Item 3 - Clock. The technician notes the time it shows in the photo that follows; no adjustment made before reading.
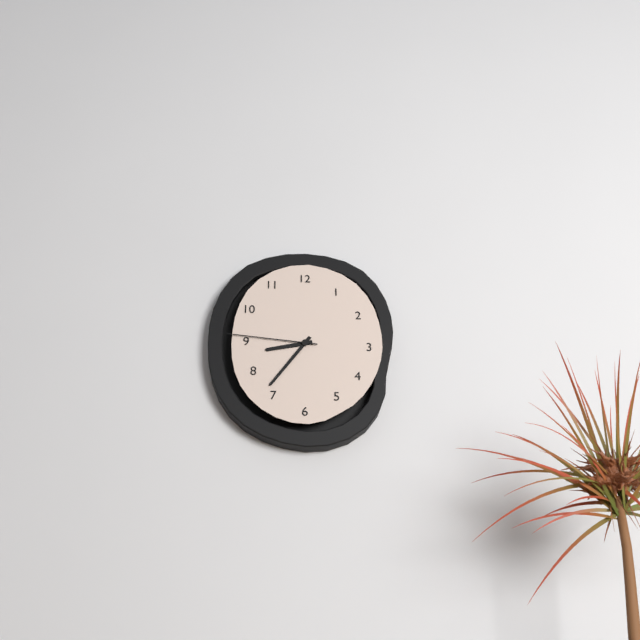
8:36:46
